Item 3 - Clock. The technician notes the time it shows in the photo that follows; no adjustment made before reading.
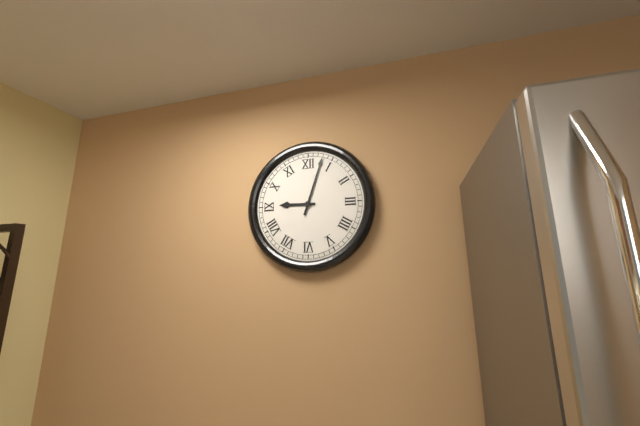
9:03
